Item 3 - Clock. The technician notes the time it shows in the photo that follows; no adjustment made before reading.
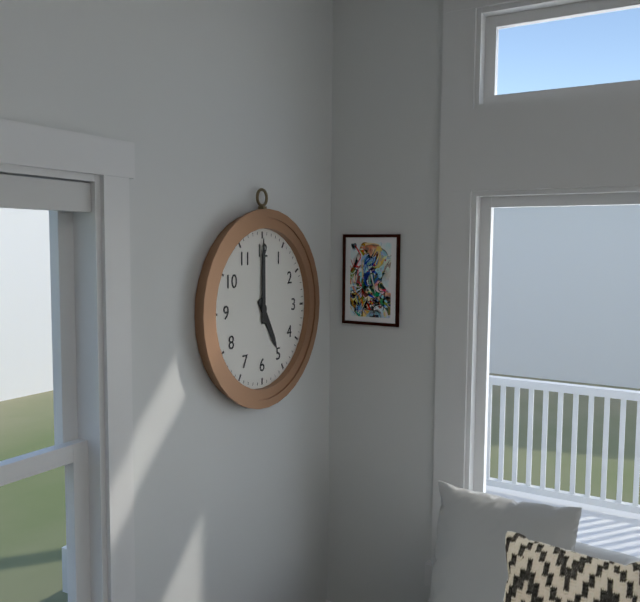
5:00
